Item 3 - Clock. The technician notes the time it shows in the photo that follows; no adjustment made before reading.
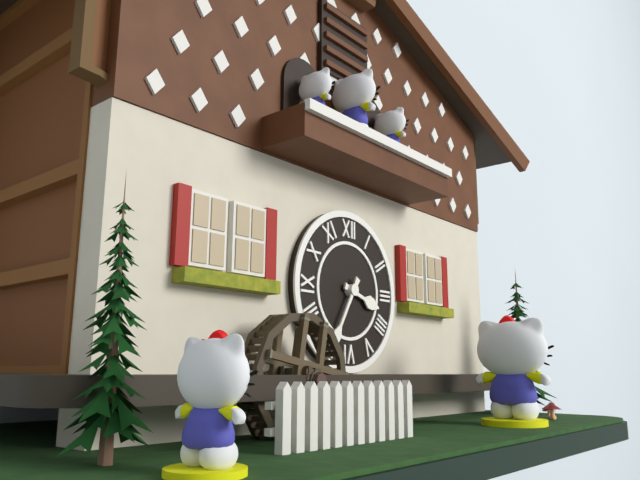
3:35
